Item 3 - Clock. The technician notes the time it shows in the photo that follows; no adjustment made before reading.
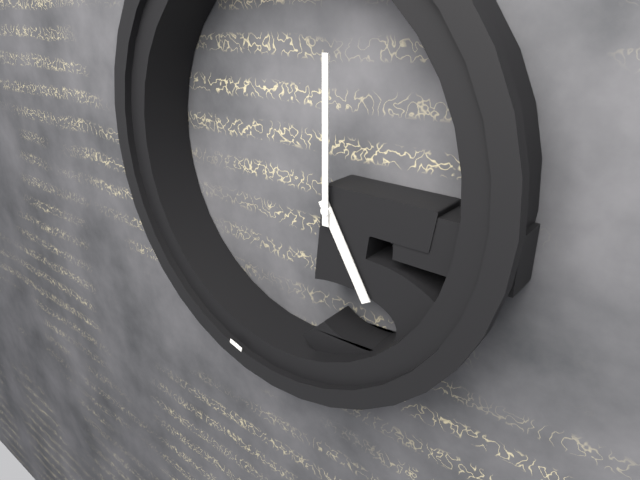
5:00
